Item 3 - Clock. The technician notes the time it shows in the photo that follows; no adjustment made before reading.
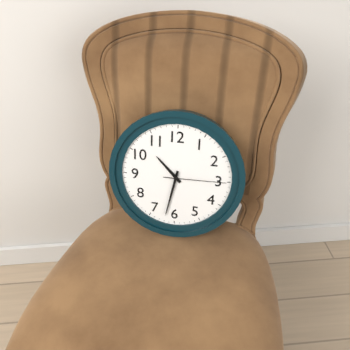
10:32:15
